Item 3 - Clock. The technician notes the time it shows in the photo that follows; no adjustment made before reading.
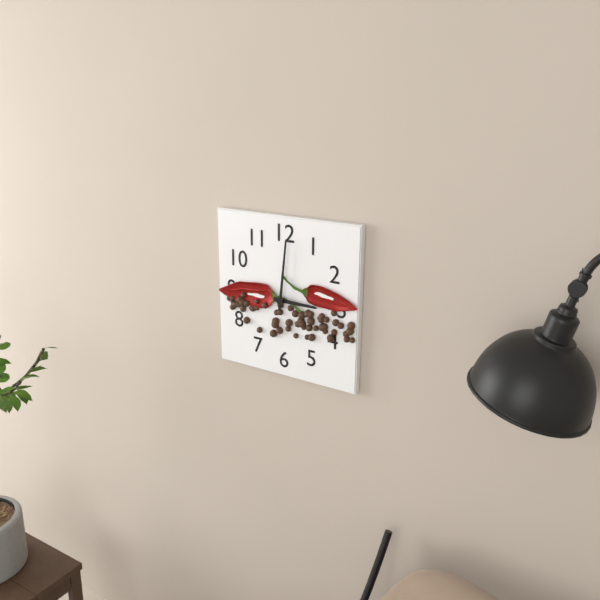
3:01
